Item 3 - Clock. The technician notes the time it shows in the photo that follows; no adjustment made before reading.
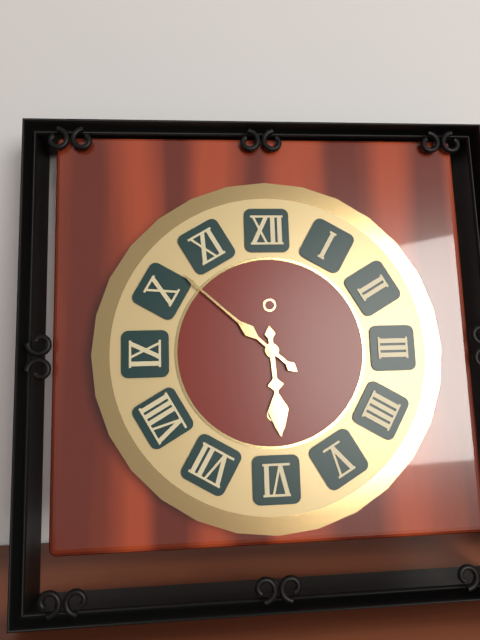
5:52
